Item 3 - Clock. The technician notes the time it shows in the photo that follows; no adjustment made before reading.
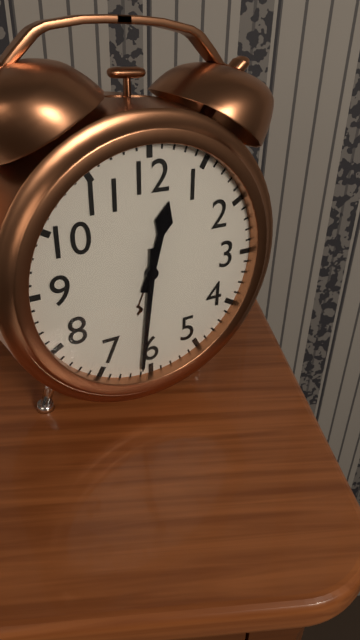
12:31
